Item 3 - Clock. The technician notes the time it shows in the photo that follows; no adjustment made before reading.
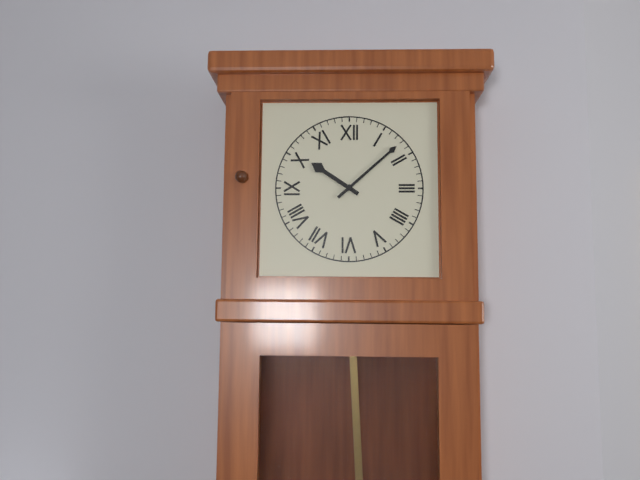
10:08
